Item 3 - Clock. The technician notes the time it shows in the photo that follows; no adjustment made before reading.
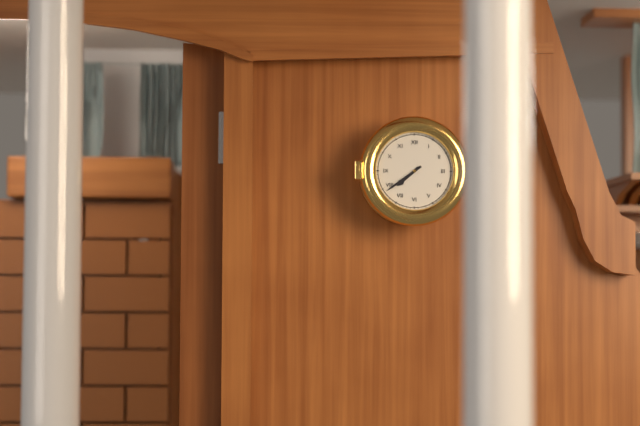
7:39
